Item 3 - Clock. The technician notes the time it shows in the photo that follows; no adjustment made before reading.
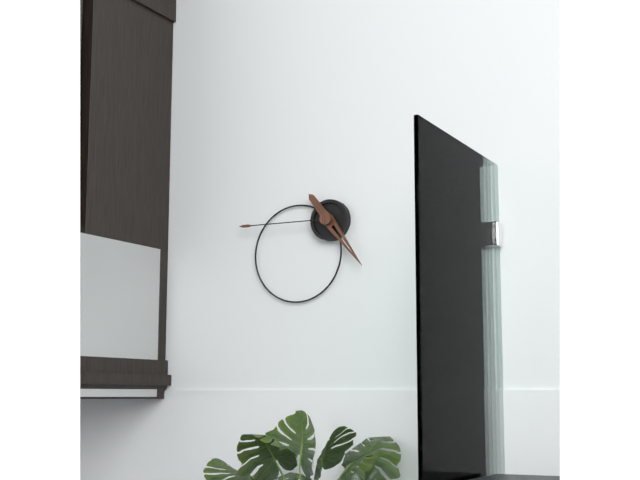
4:45
